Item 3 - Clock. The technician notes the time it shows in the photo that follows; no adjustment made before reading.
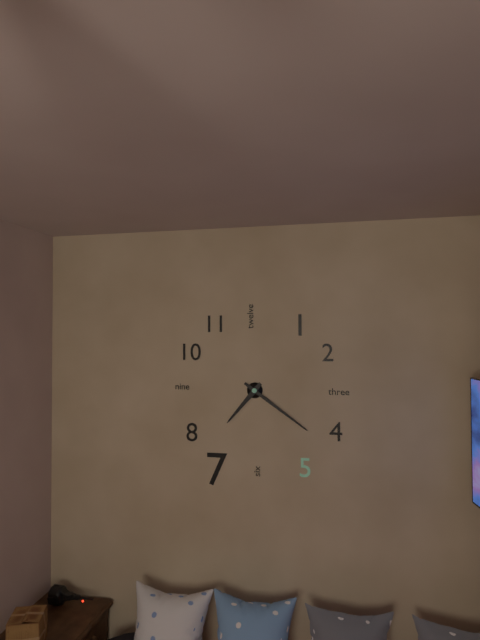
7:21
